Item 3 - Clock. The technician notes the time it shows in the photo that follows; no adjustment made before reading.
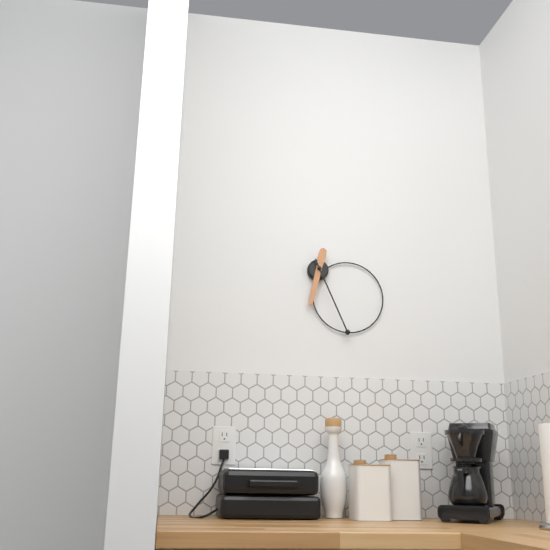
6:26
